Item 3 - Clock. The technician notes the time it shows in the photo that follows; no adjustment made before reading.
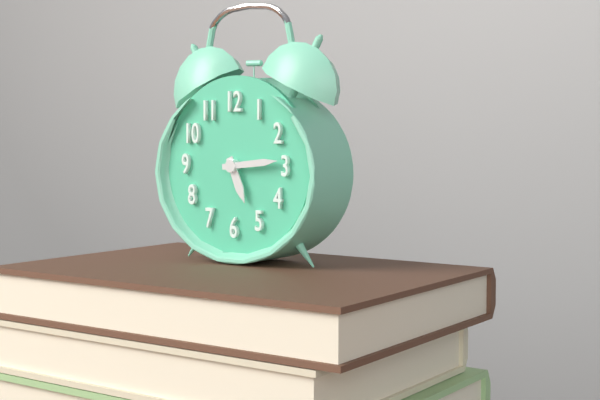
5:14
